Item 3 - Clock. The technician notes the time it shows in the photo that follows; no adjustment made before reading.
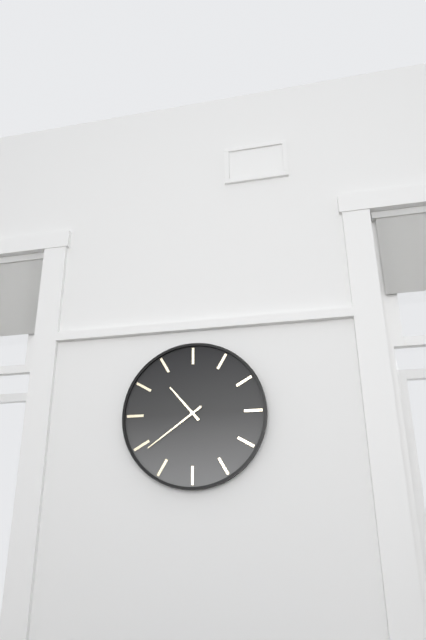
10:39
